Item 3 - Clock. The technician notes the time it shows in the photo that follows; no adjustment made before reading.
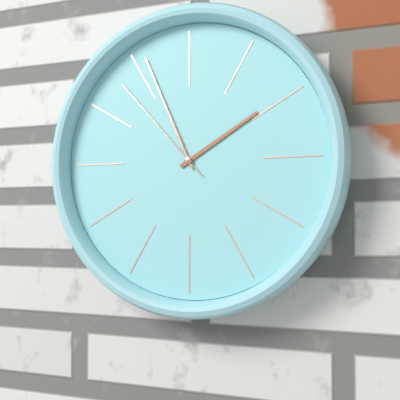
1:56:53
